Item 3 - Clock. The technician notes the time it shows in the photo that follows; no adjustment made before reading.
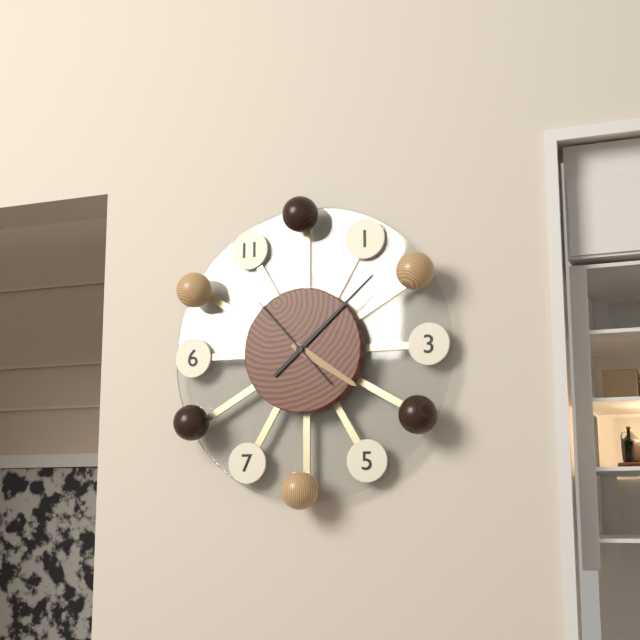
4:08:53
